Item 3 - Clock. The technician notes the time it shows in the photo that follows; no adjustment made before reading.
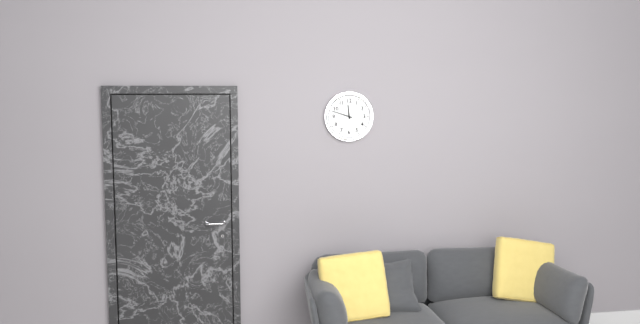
11:48
